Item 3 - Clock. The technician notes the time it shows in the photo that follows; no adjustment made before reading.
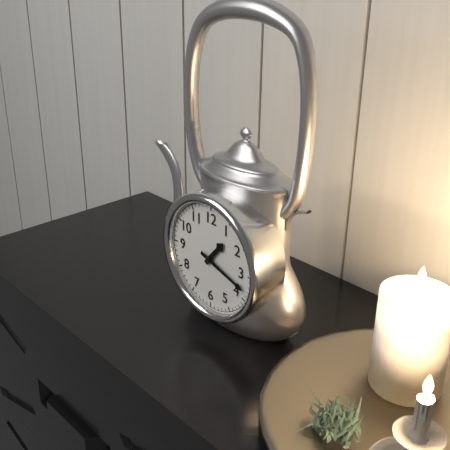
1:18
